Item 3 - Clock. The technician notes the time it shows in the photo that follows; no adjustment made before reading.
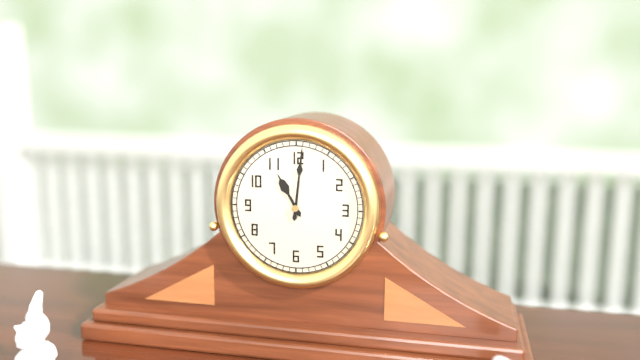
11:01
